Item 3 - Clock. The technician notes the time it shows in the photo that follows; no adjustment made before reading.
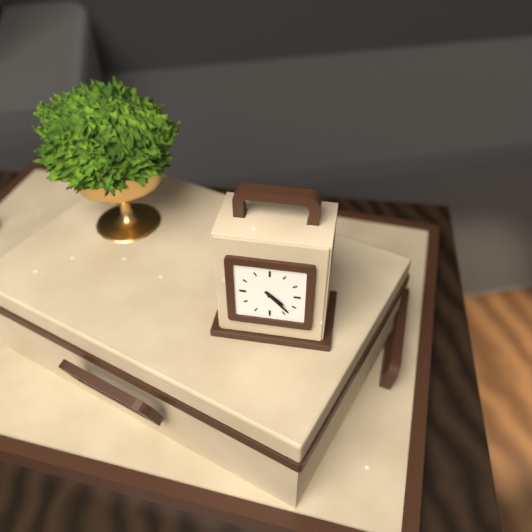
4:23
